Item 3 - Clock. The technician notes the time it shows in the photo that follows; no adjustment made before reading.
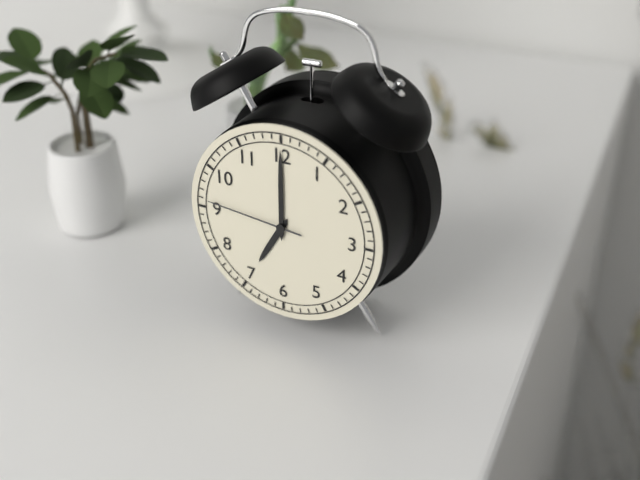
7:00:46
